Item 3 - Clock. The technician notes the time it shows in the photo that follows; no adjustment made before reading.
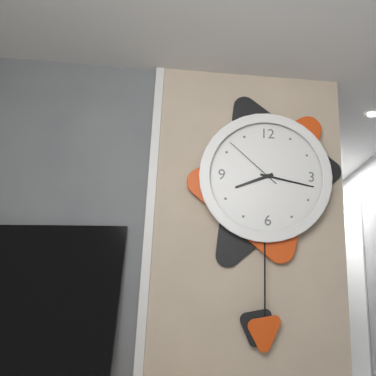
8:17:52
